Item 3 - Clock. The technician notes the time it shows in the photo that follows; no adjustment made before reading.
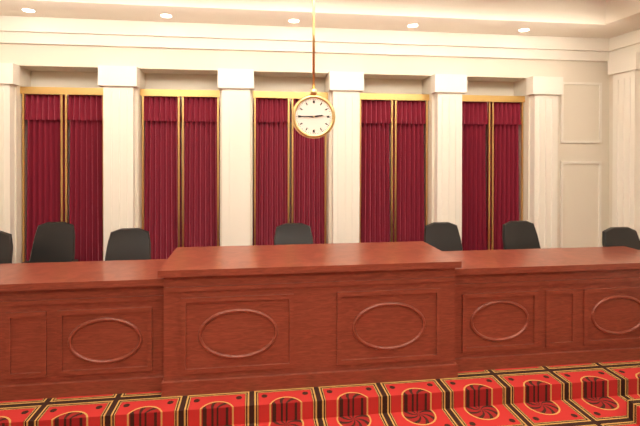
2:45
